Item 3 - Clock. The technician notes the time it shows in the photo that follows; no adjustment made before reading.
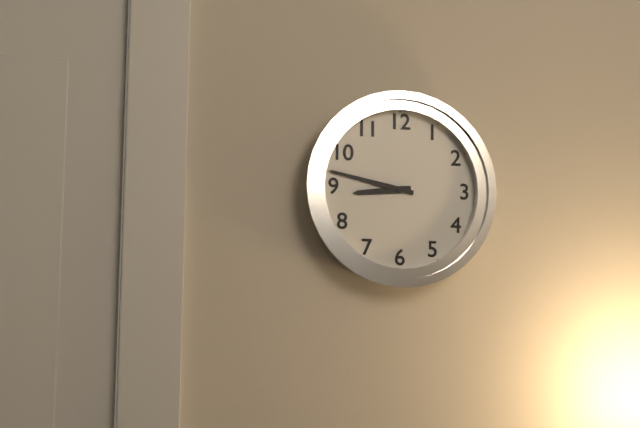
8:47
